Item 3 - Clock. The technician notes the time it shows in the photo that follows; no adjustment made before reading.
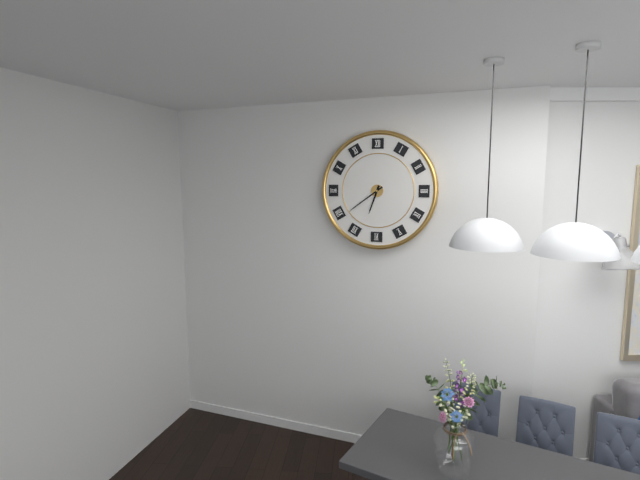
6:39
